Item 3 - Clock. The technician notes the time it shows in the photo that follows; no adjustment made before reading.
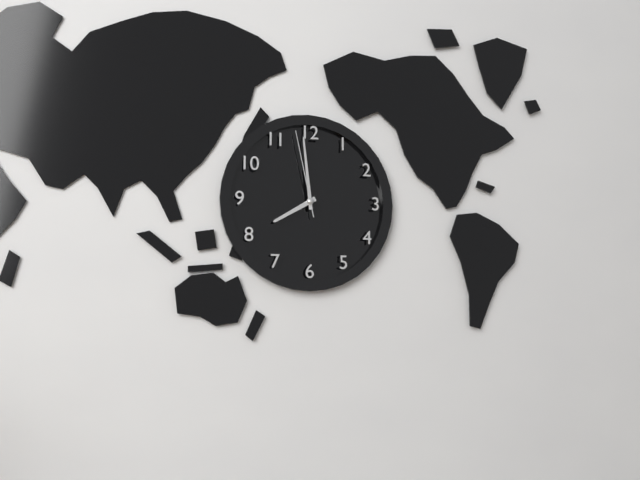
7:59:58
